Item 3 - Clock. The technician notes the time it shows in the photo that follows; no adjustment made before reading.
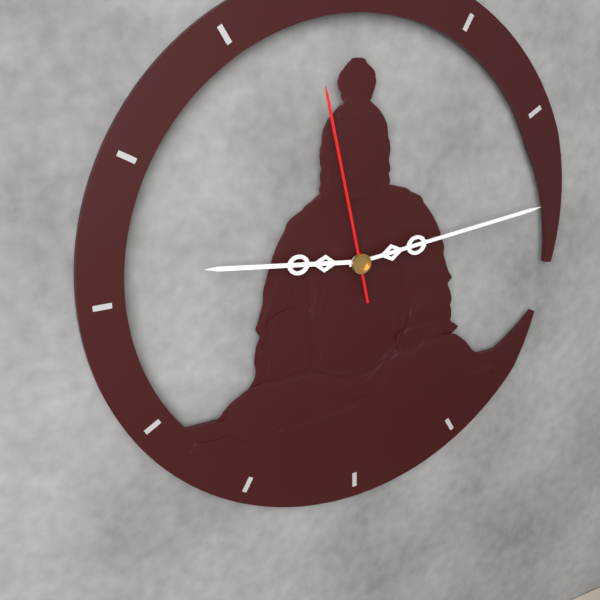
9:14:58
